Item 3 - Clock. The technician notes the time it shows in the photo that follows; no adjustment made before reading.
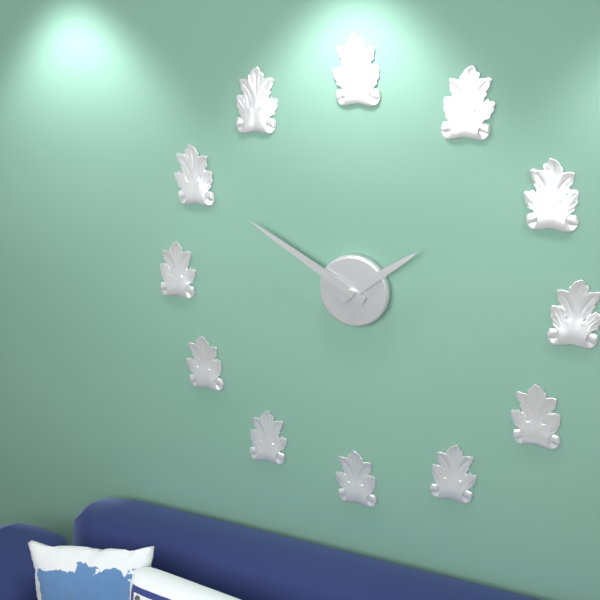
1:50
